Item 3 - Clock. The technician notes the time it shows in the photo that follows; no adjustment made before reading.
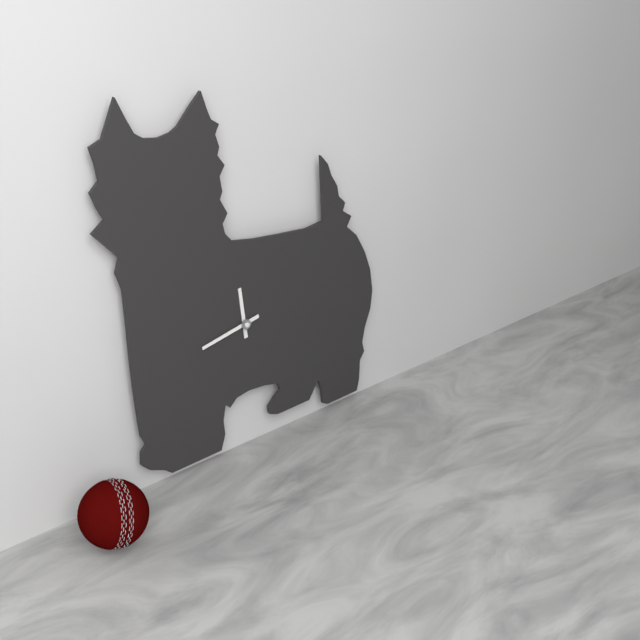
11:43
